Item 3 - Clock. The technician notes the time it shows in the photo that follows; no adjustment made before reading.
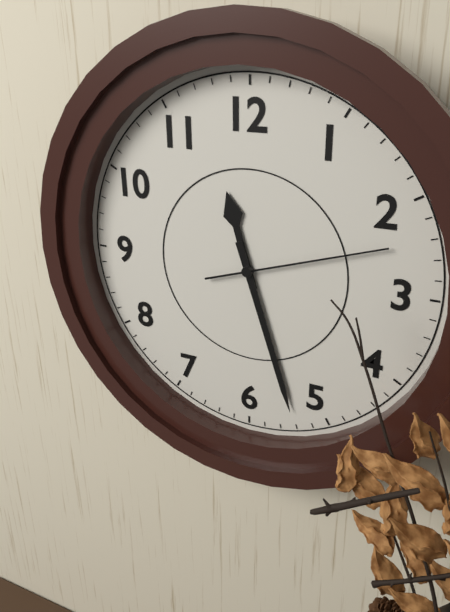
11:27:12
